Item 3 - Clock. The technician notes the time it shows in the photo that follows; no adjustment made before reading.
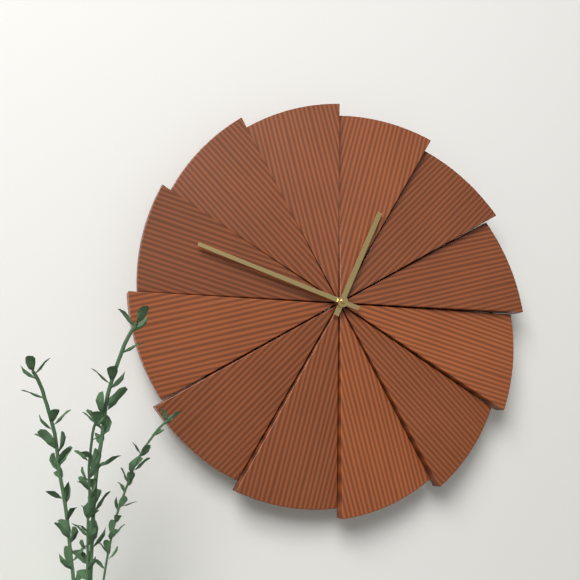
12:48
